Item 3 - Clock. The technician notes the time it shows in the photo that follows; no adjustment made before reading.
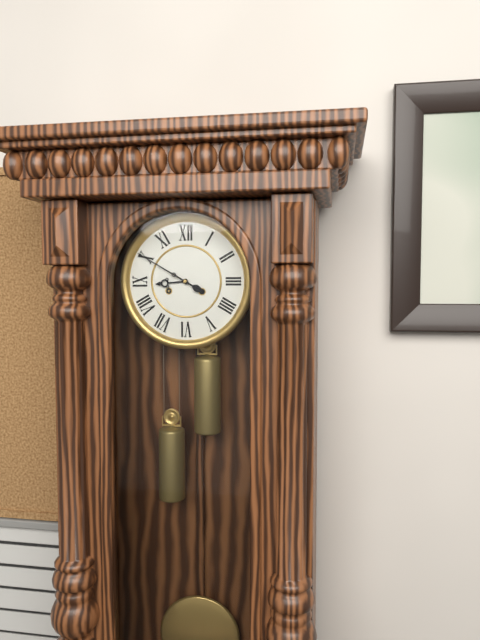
8:50
